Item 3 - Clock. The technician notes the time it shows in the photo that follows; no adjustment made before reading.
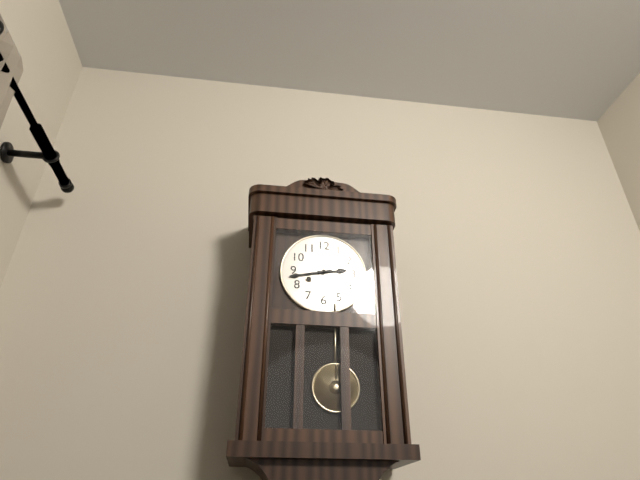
2:43
